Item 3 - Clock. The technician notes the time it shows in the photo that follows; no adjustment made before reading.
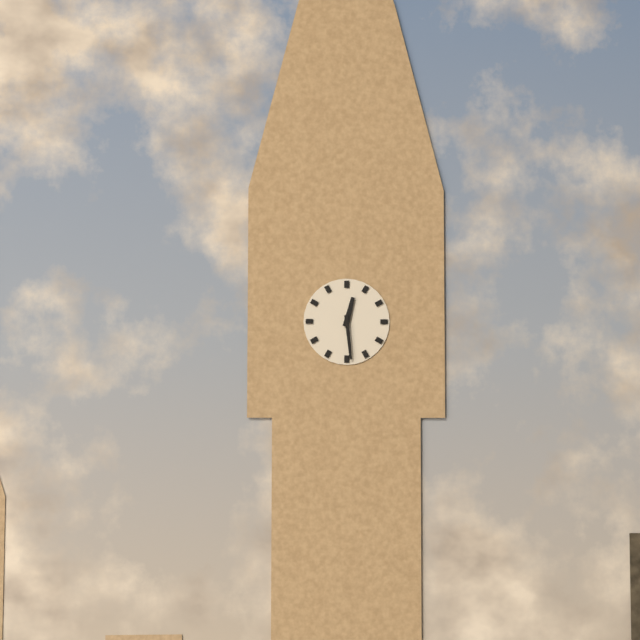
12:29
